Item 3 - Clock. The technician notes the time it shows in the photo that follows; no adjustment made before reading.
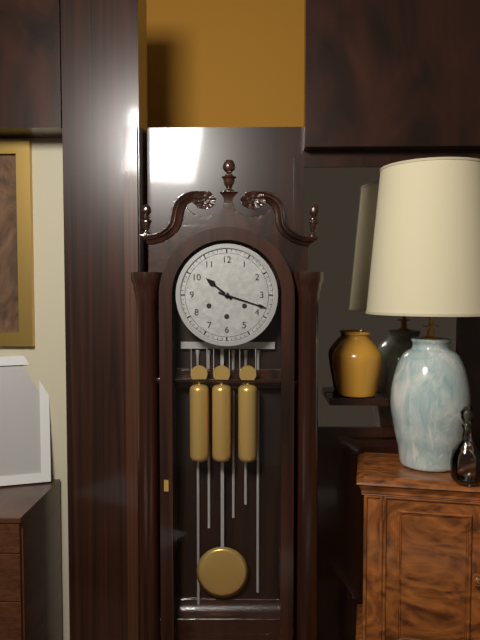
10:18
